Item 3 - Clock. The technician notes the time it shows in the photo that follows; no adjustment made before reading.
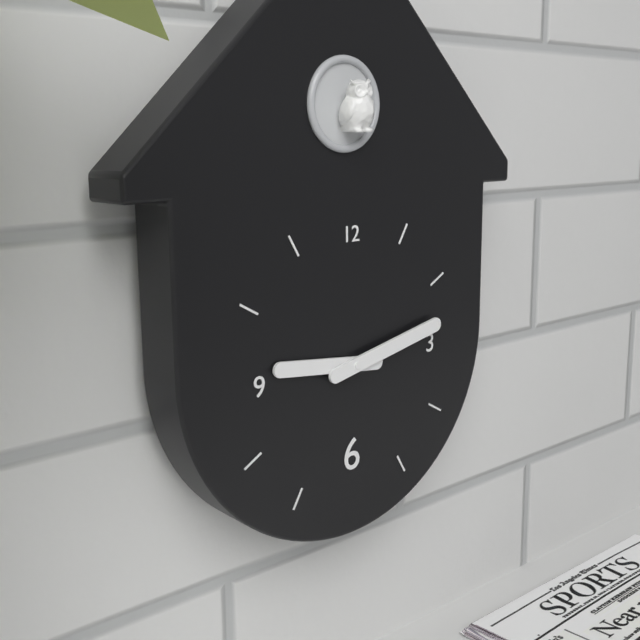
9:13
